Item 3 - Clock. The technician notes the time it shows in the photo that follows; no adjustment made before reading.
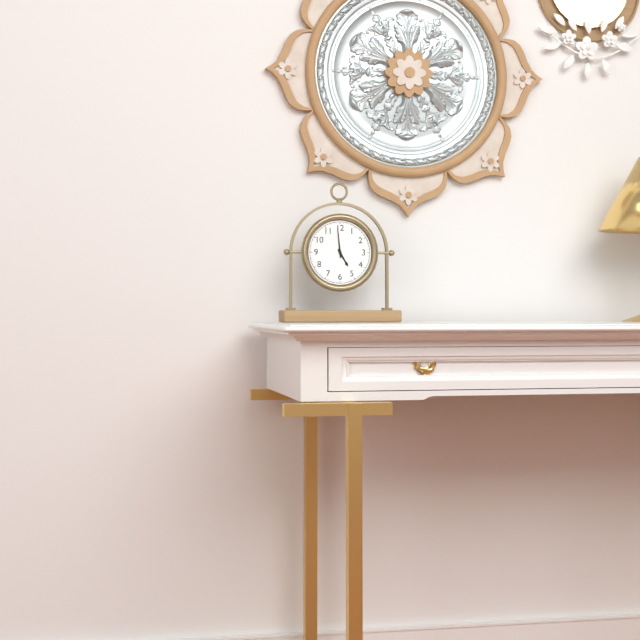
4:59
